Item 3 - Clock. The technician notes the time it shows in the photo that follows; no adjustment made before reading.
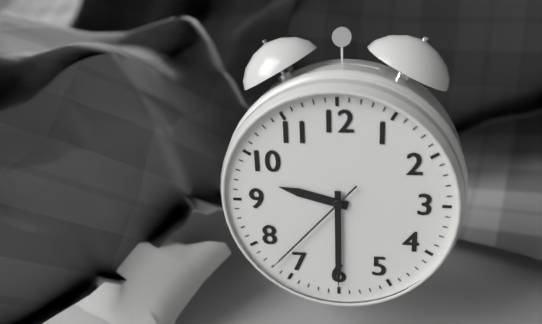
9:30:37
